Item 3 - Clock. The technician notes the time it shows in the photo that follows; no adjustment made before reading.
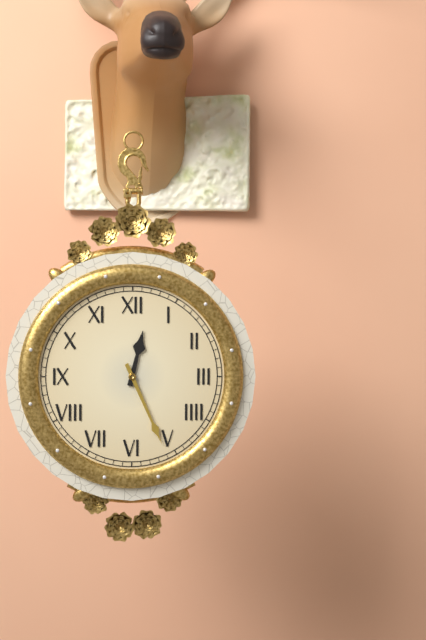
12:26
